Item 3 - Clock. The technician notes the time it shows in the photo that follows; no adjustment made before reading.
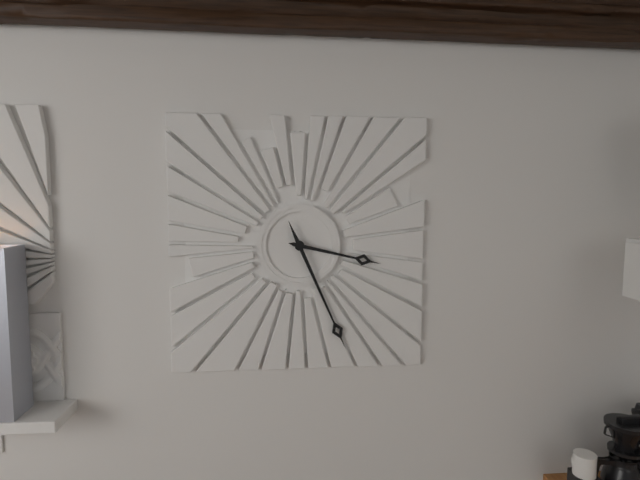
3:26
